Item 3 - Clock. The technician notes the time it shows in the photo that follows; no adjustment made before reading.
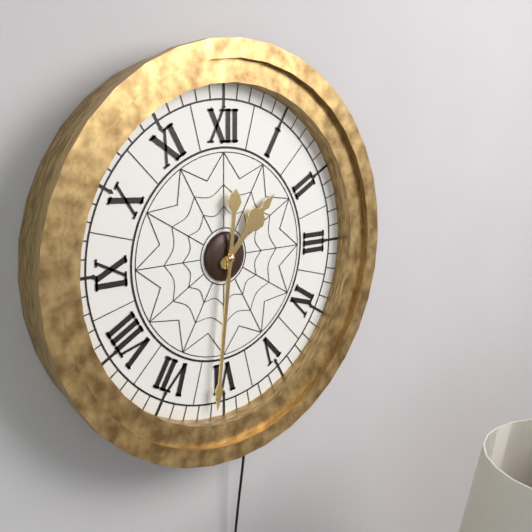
1:31
